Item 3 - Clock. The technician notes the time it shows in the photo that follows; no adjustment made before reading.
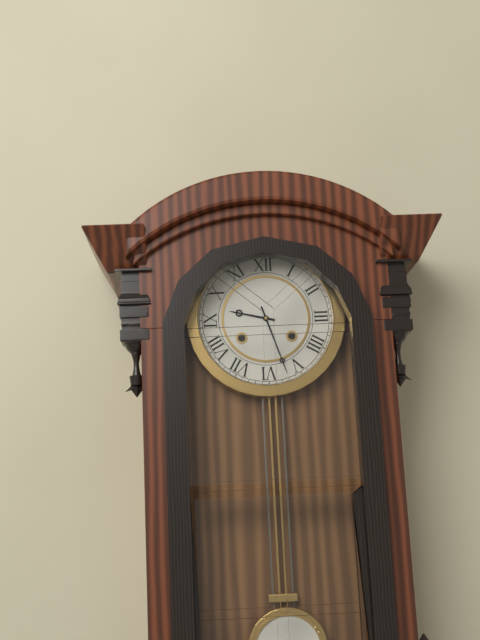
9:27
